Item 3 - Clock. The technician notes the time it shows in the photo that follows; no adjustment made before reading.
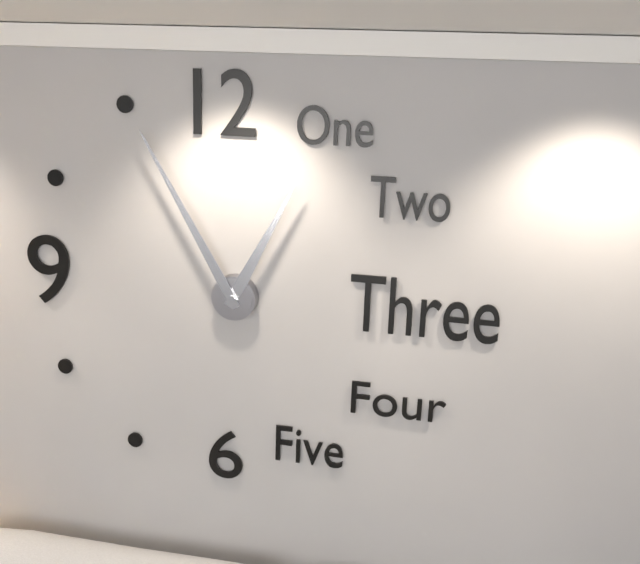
12:55
